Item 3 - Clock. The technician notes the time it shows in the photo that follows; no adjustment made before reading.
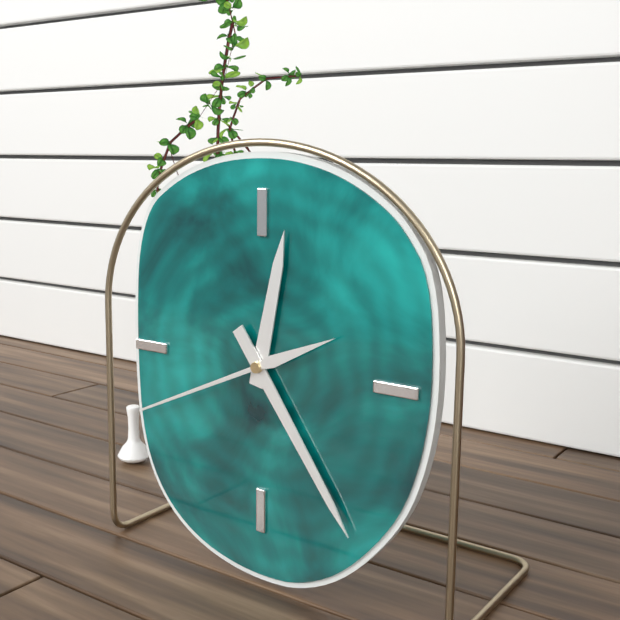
12:24:41
